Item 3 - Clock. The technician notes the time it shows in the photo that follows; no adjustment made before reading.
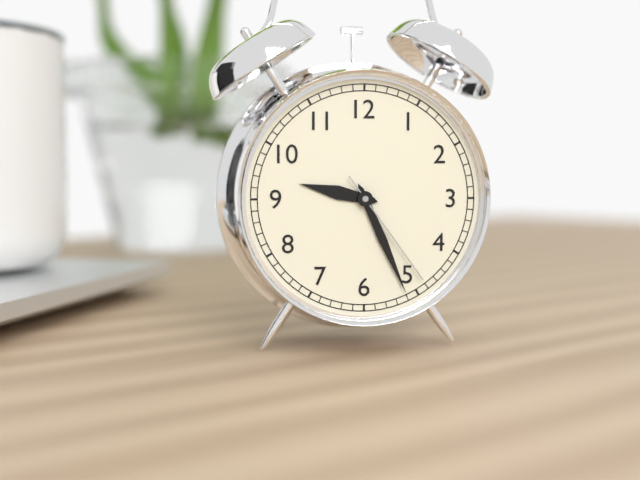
9:26:24
